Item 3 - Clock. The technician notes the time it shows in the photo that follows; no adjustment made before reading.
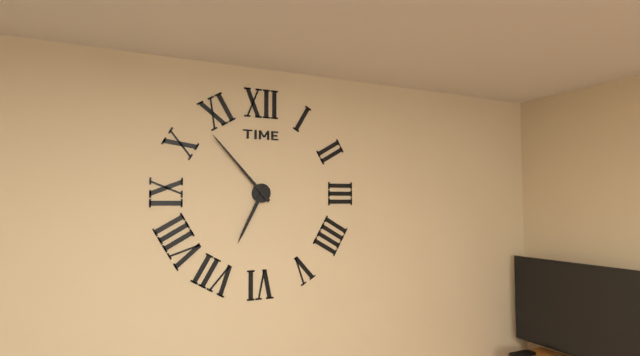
6:53
